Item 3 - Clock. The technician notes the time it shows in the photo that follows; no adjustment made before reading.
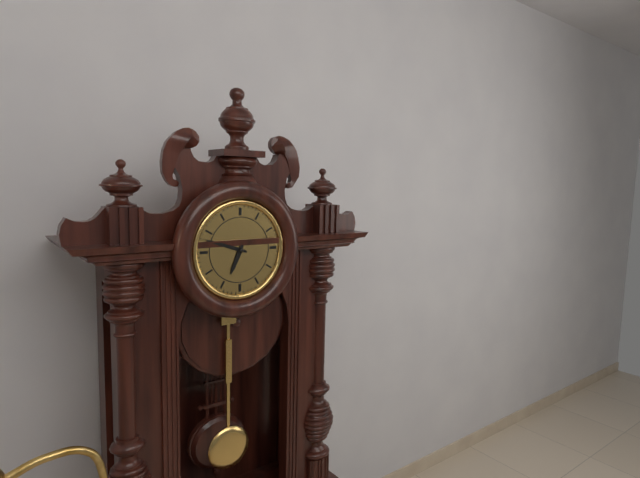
6:48
